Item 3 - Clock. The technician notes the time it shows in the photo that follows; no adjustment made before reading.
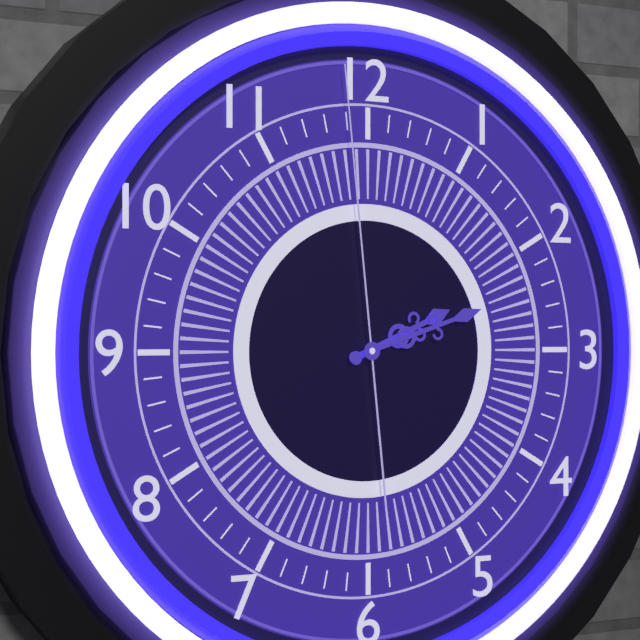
2:12:59
